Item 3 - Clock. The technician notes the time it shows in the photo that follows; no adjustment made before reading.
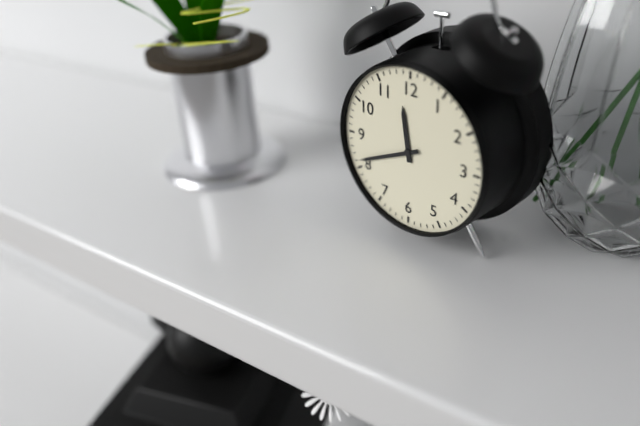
11:41
